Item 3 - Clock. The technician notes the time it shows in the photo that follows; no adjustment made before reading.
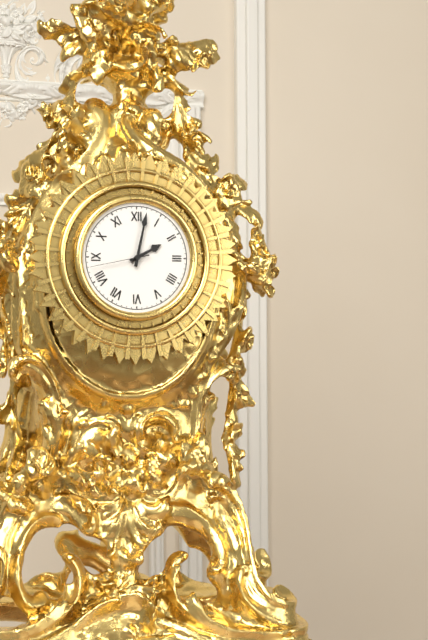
2:02:43
